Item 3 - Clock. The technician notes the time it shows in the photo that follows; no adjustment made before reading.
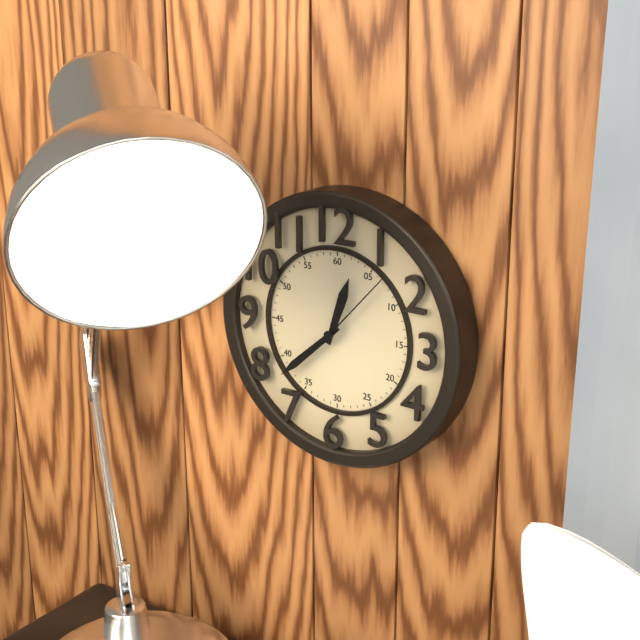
12:38:07
